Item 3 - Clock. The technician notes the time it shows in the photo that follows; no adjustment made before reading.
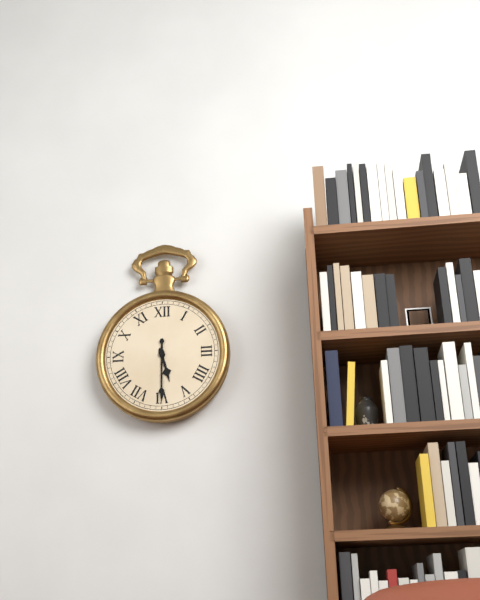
5:30
